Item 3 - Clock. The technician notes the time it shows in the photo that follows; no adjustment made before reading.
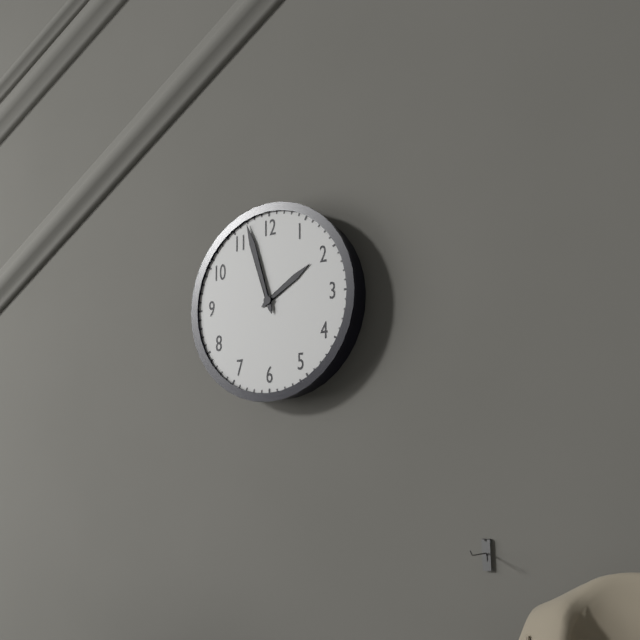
1:57
